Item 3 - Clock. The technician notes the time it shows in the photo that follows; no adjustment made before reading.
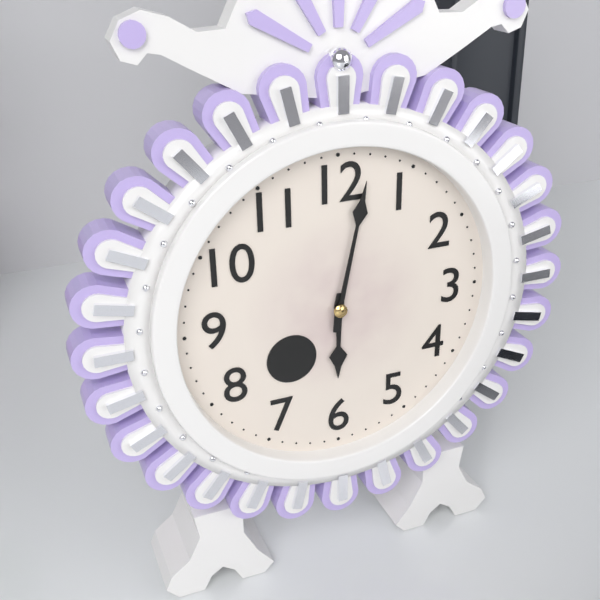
6:02
